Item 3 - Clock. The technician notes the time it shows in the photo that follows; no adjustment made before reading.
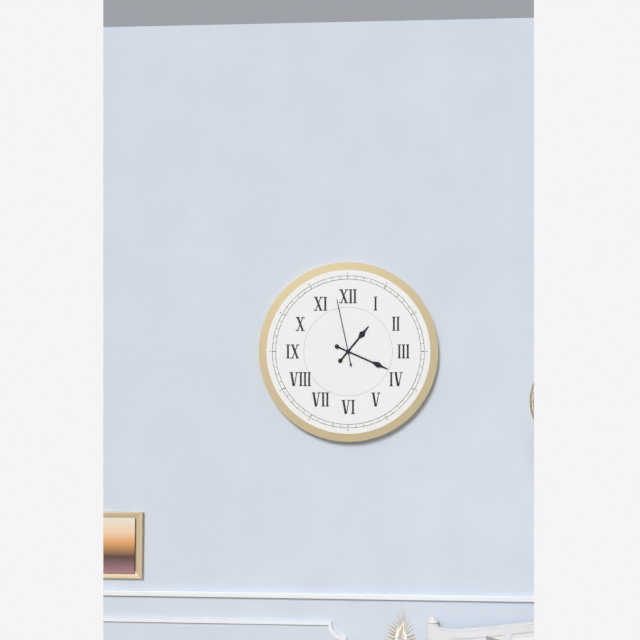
1:19:58
